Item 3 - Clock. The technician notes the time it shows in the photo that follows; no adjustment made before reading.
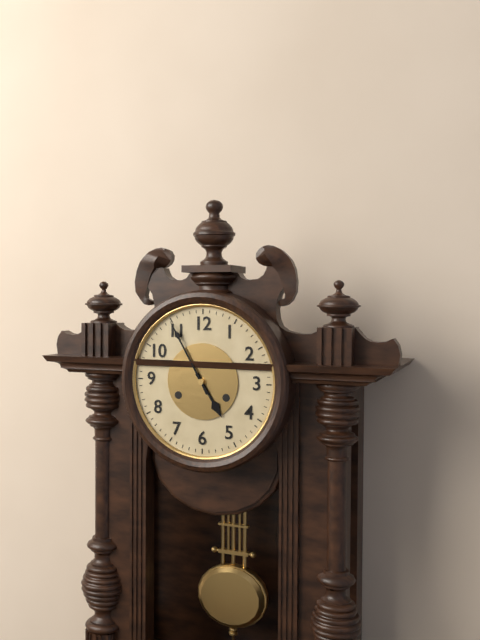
4:55
